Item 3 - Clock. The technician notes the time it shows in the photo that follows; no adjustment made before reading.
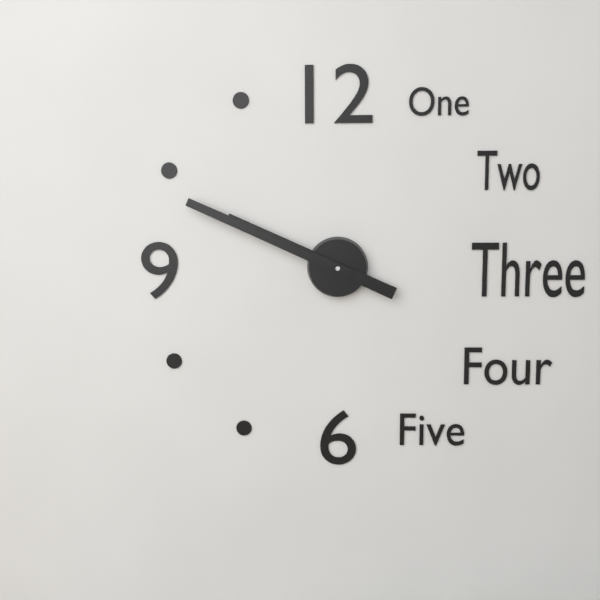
9:49
